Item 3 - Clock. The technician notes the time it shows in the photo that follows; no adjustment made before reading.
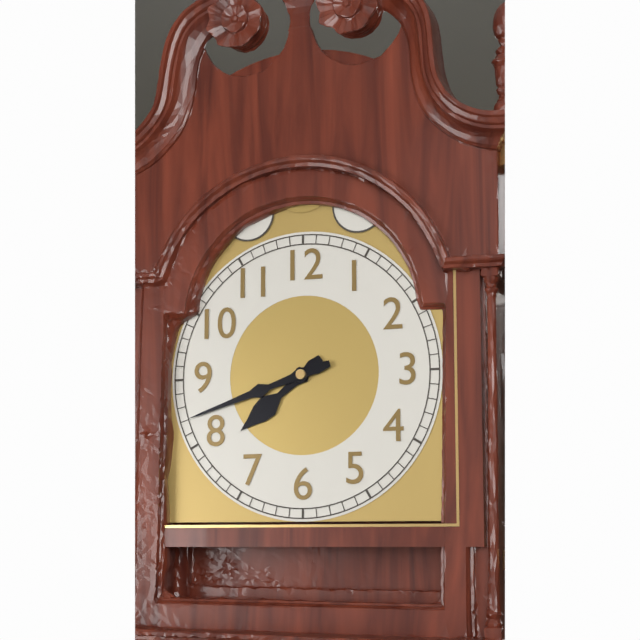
7:42
